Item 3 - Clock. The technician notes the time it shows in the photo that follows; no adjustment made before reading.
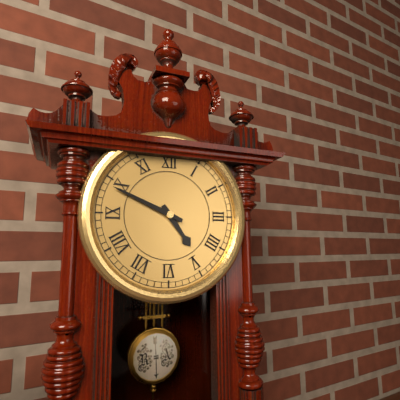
4:49
